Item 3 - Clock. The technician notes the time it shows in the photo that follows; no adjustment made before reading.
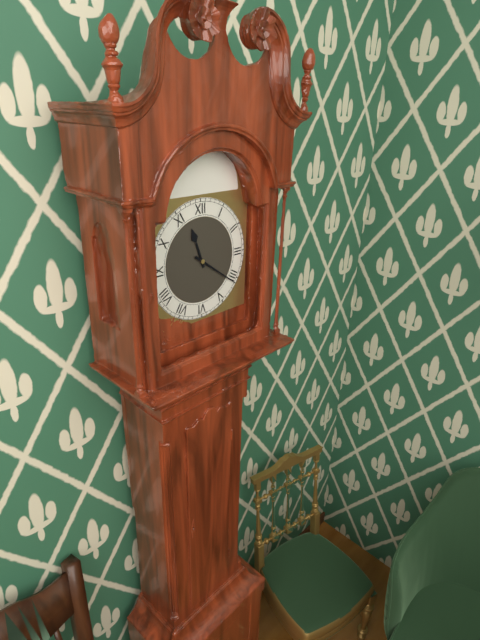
11:21
